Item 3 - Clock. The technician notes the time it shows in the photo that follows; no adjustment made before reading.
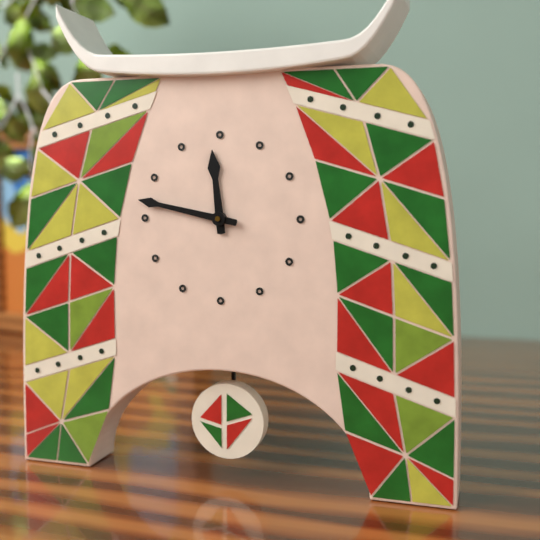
11:47
